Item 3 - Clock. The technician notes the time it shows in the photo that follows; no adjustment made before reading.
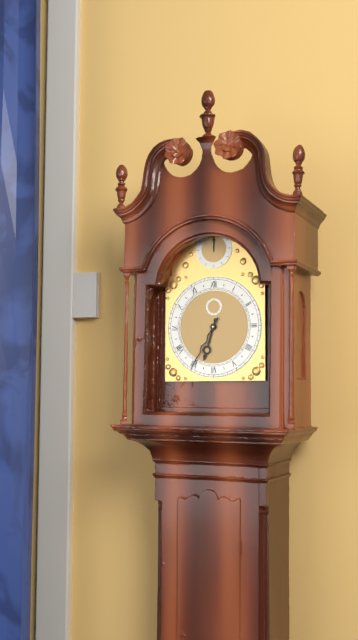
6:35
